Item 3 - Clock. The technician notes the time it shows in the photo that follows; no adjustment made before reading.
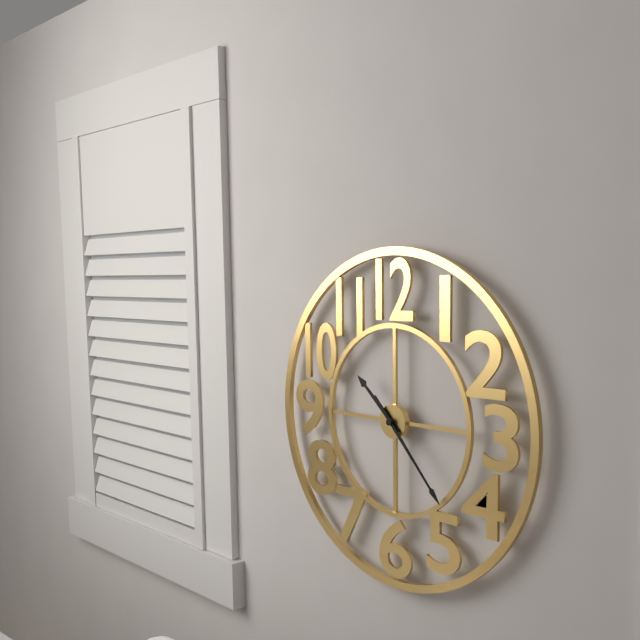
10:23
